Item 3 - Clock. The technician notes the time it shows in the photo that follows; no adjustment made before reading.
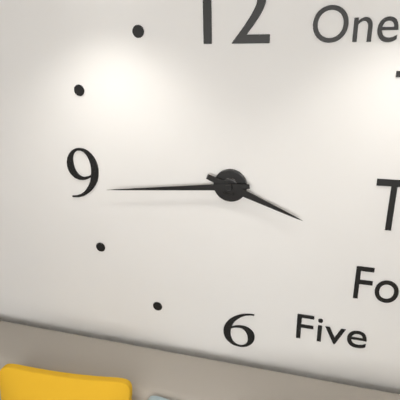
3:44
